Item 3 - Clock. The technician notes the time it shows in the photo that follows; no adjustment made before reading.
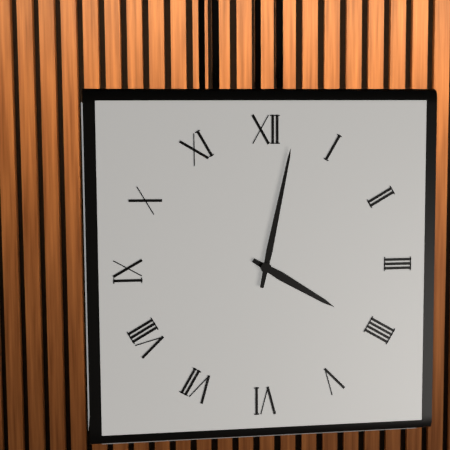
4:02
